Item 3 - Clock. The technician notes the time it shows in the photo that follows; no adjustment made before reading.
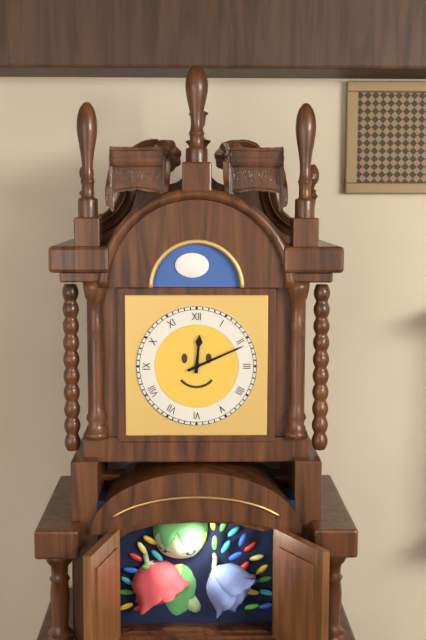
12:11
